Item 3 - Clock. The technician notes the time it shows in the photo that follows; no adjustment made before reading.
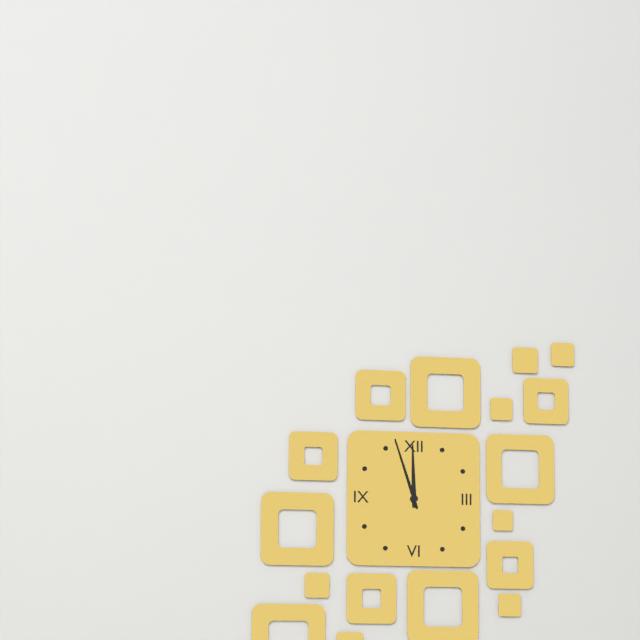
11:57
